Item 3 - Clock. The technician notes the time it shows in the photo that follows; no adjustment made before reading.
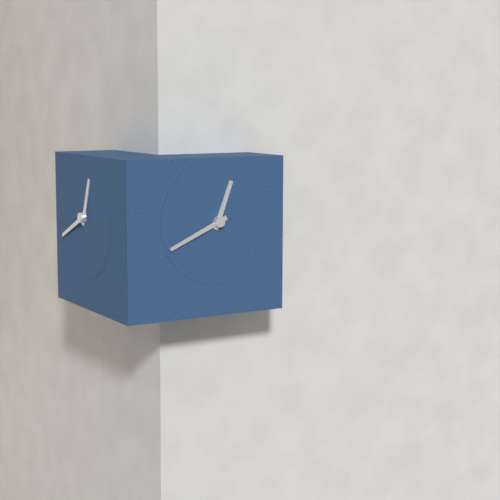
12:41
